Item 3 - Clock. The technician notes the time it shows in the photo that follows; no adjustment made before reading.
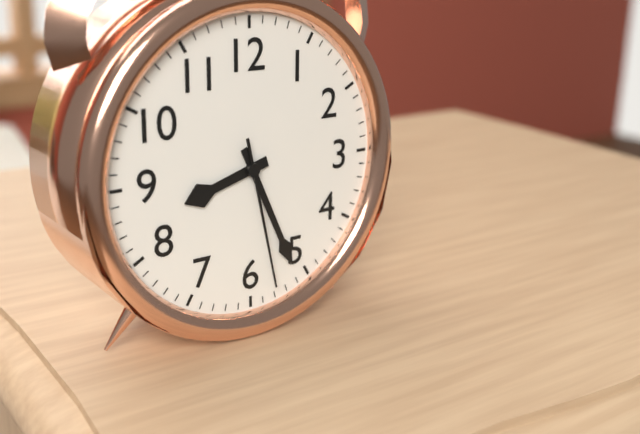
8:26:28
